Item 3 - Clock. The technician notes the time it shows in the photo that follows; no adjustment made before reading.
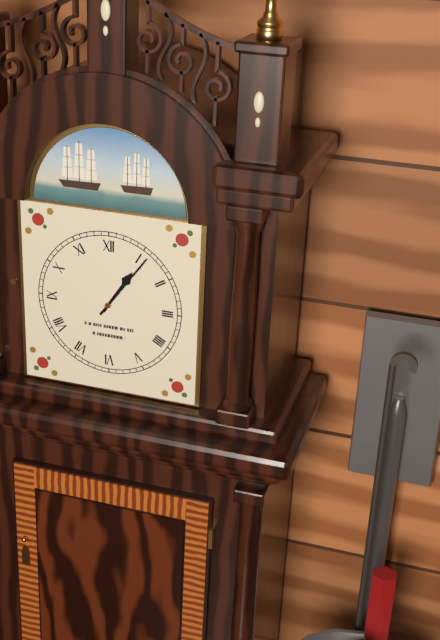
1:06
